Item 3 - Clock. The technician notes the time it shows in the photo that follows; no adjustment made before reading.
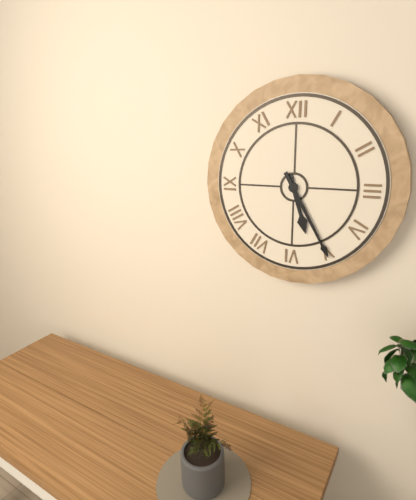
5:25
